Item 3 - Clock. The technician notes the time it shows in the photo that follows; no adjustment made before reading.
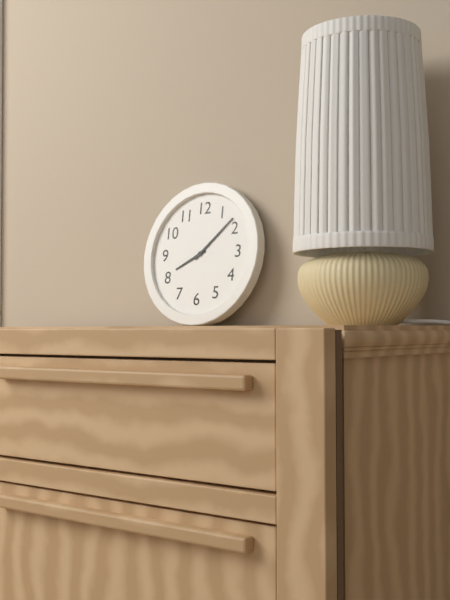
8:08
